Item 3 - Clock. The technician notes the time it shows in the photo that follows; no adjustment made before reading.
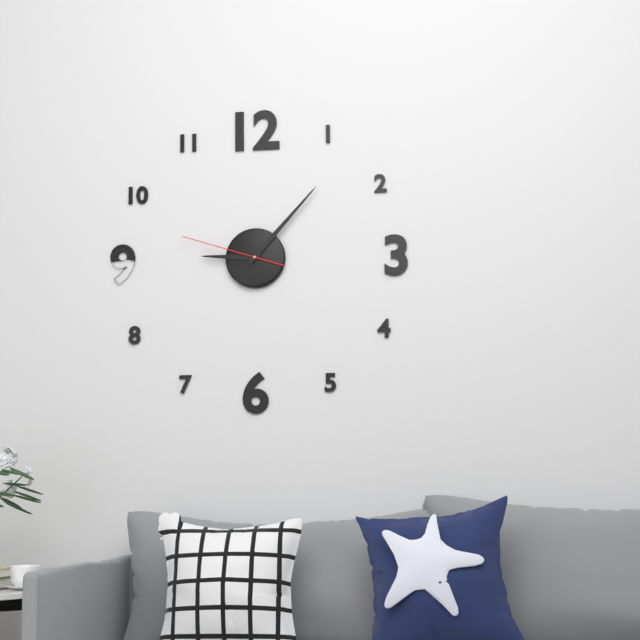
9:07:48
